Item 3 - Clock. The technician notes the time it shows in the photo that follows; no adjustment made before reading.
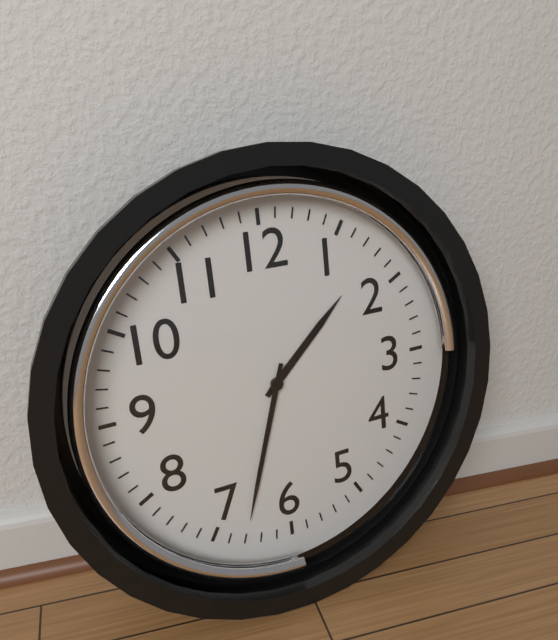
1:33
